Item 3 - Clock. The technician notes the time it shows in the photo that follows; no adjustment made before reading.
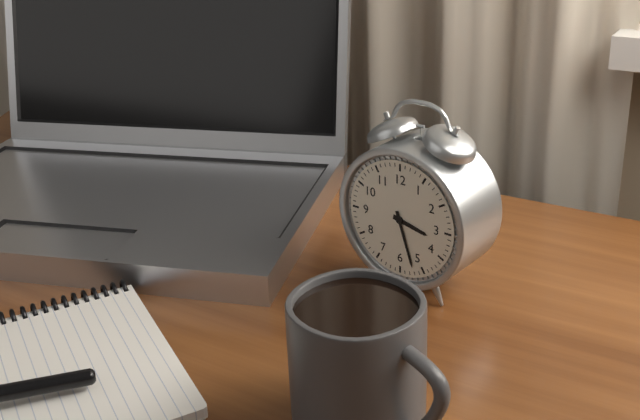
3:27
